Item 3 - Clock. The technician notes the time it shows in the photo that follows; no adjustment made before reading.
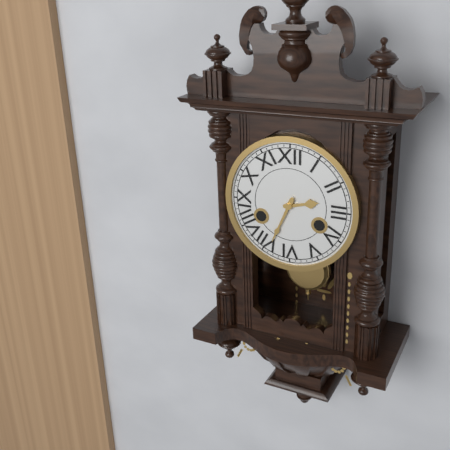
2:34
